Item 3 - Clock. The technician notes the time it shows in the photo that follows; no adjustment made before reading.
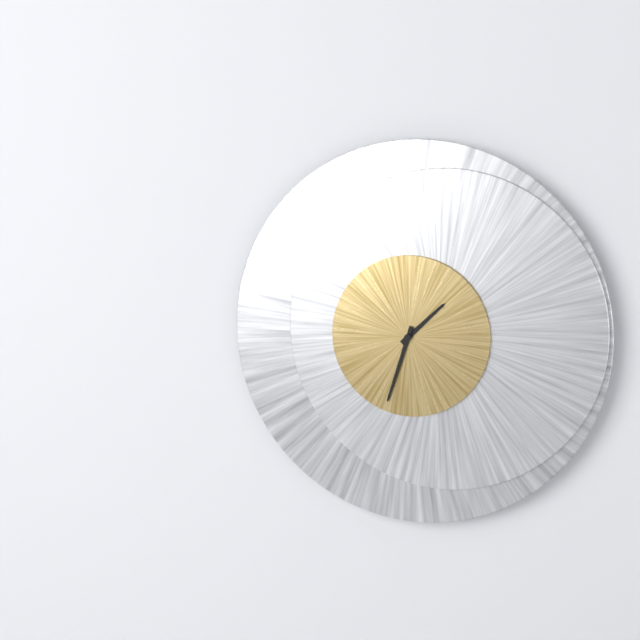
1:33
